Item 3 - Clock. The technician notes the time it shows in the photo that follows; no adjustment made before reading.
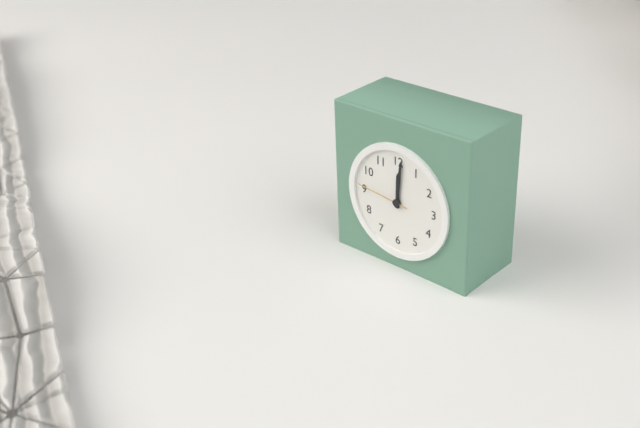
12:01:46
